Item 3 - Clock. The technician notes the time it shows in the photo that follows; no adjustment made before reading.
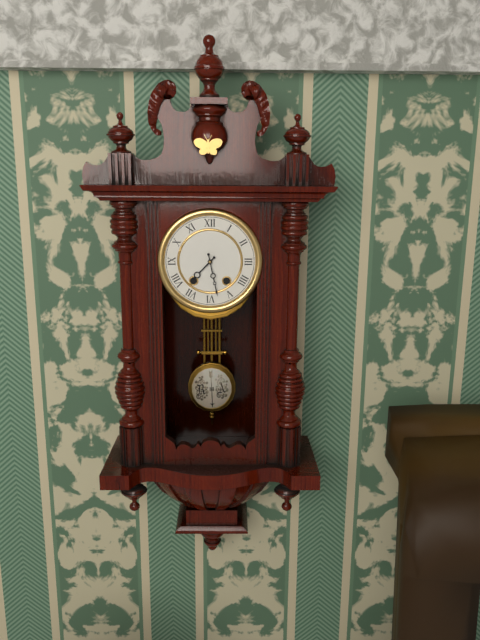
7:28
